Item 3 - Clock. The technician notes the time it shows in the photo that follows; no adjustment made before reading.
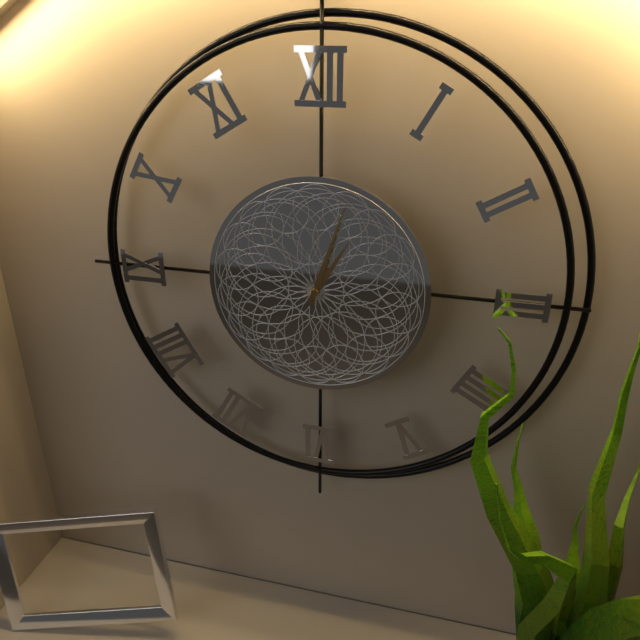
1:03
